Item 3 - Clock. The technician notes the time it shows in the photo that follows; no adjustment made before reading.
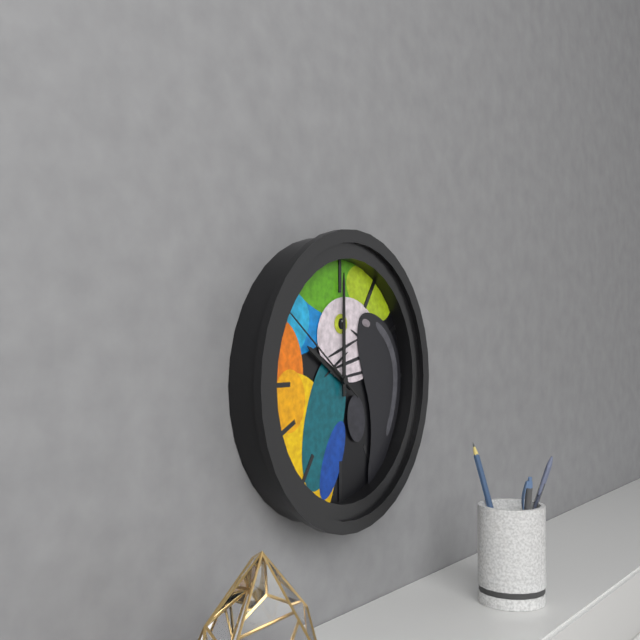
10:00:51
